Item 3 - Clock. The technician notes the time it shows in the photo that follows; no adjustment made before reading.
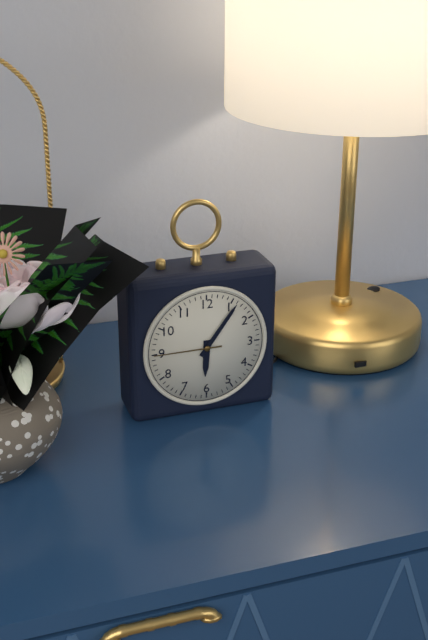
6:06:45
